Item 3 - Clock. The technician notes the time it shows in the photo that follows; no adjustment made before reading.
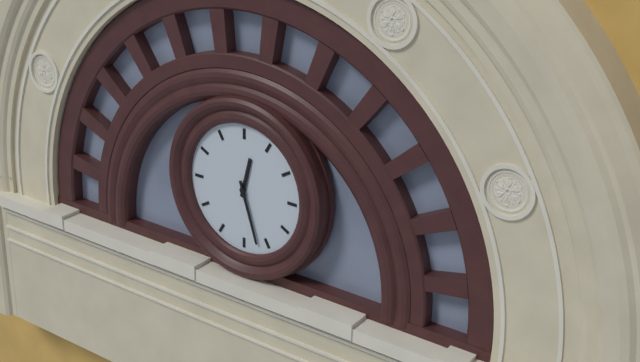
12:27
